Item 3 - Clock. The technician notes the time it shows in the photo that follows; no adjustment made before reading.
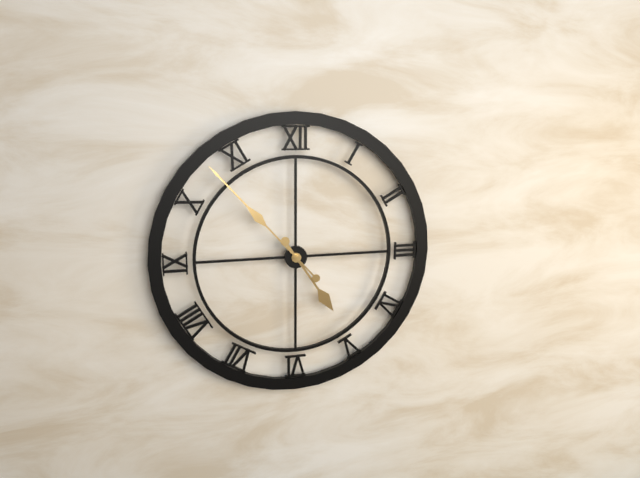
4:53
